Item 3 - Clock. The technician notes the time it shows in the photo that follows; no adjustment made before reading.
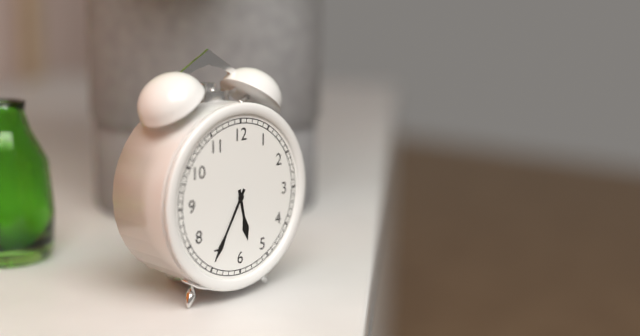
5:35
